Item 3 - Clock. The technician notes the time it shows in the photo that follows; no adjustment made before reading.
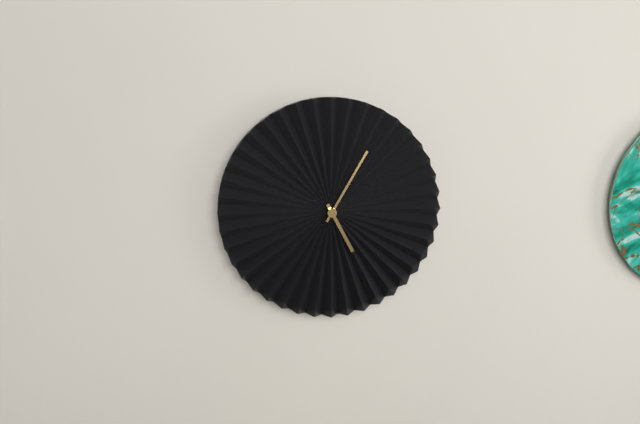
5:05
